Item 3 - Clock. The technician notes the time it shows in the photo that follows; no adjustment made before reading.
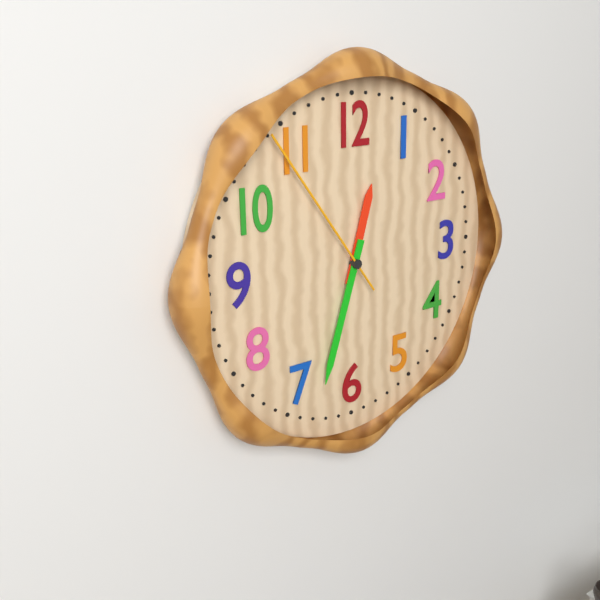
12:33:54
